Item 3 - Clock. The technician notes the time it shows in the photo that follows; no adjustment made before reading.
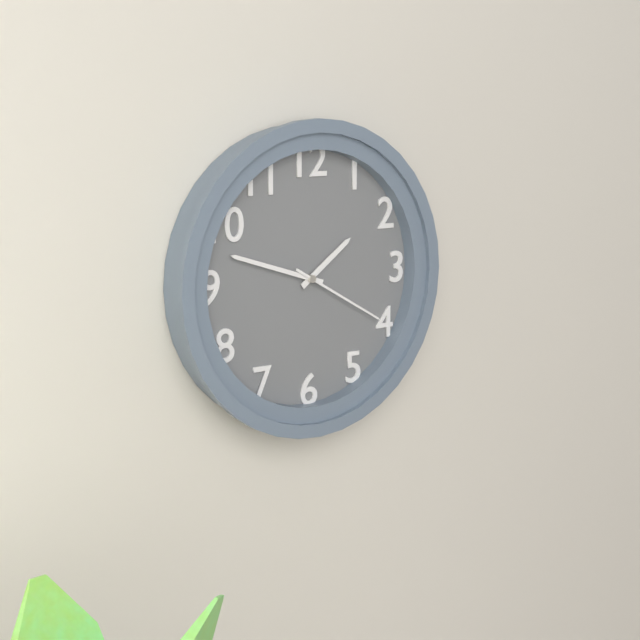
1:48:20
